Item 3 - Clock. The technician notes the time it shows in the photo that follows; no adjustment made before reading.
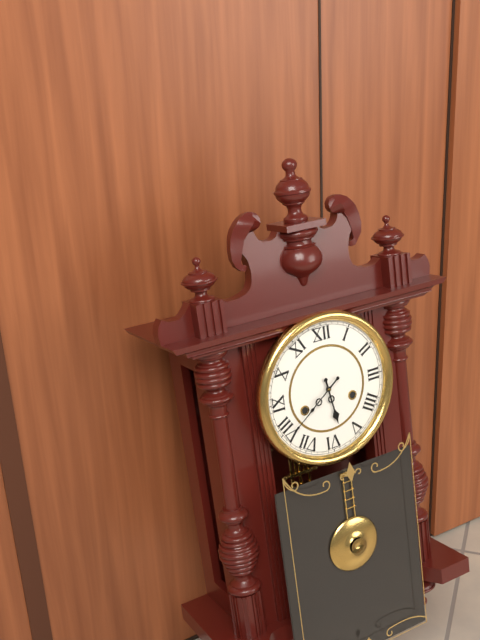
5:39
